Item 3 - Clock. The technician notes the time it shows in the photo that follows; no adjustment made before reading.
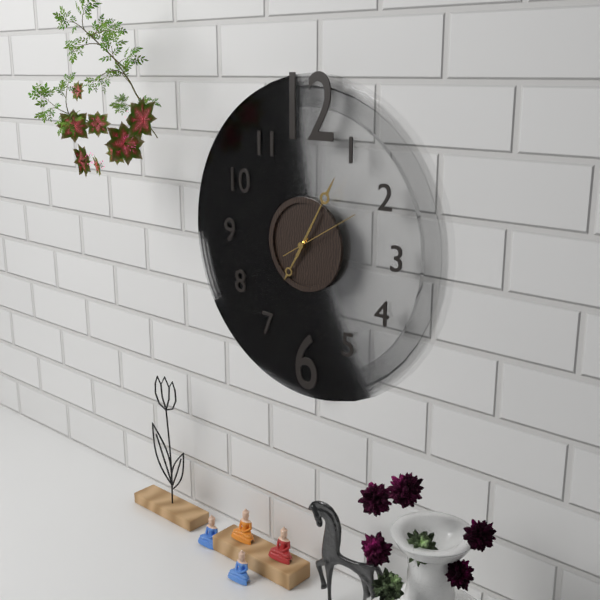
7:05:10
